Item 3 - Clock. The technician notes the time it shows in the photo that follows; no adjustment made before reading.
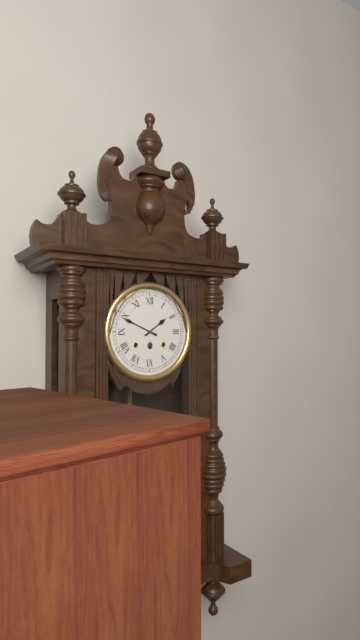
1:49
